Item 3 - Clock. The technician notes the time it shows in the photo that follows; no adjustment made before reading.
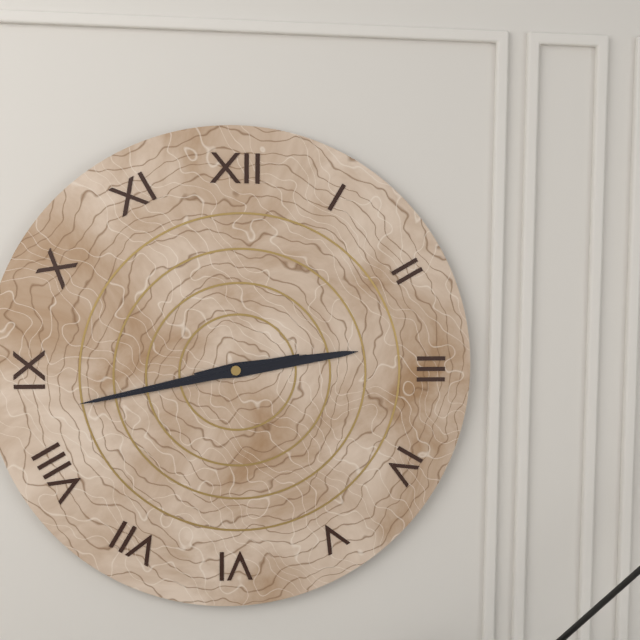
2:43:43
